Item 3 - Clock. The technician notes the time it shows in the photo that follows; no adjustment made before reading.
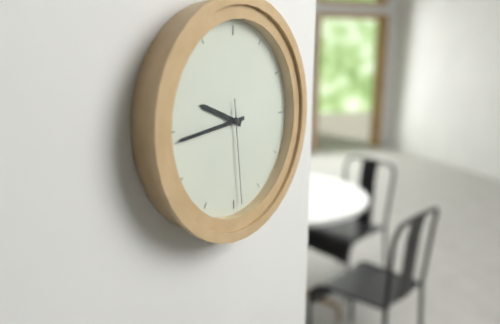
9:44:29
